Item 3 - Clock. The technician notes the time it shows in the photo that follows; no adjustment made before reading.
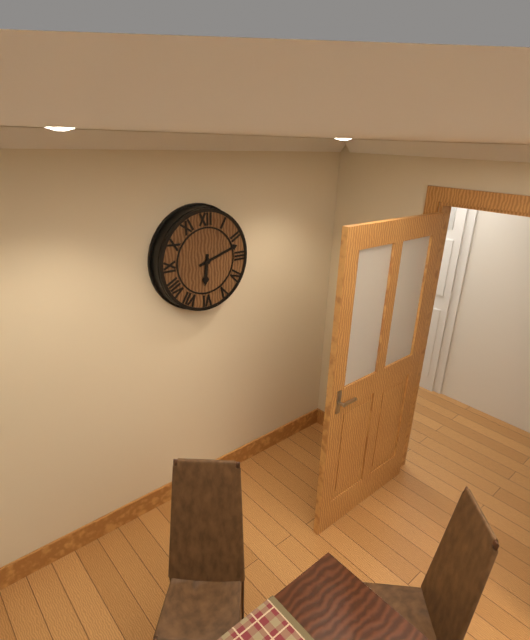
6:12
